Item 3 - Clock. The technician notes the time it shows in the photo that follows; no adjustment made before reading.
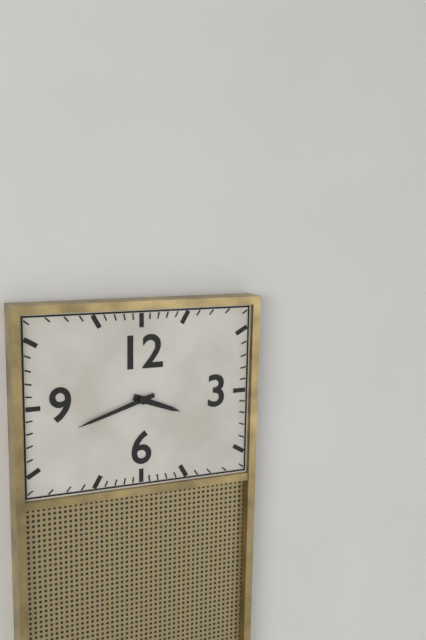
3:42
